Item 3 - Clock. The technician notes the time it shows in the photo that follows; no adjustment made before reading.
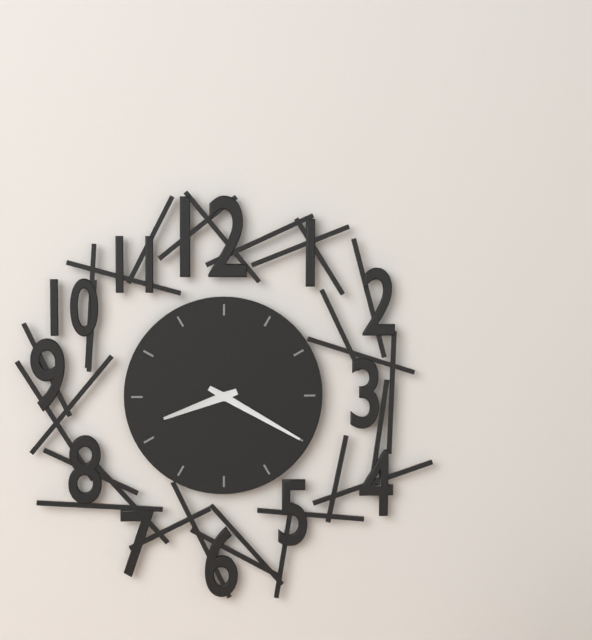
8:20
